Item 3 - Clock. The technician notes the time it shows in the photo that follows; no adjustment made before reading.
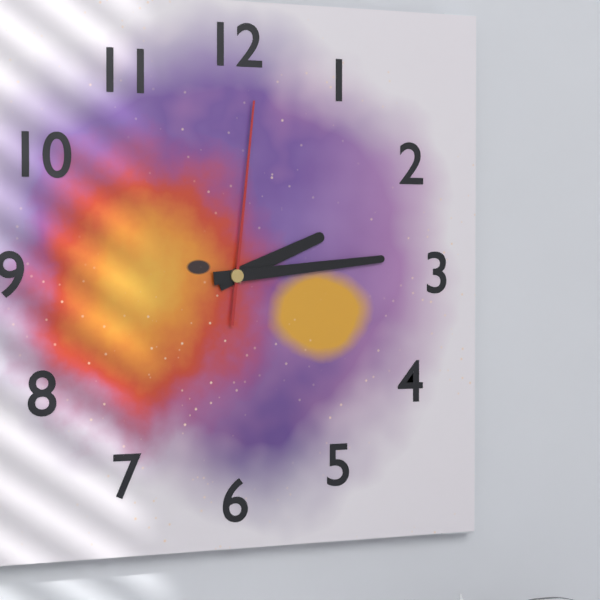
2:14:01
